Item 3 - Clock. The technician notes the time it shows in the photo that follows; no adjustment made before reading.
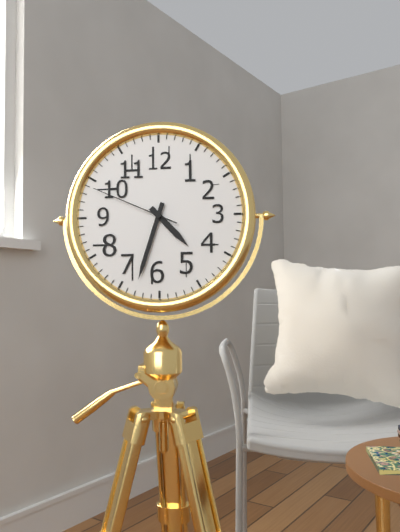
4:33:49
